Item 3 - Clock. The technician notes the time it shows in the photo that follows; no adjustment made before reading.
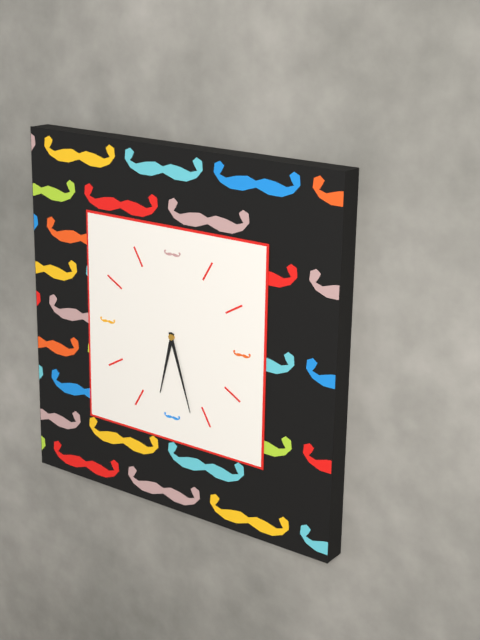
6:27
